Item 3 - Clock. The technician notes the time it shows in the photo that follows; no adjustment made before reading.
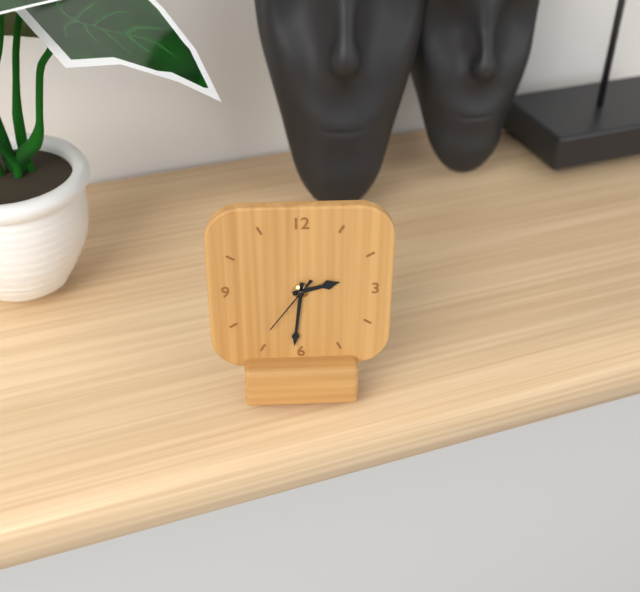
2:31:36
